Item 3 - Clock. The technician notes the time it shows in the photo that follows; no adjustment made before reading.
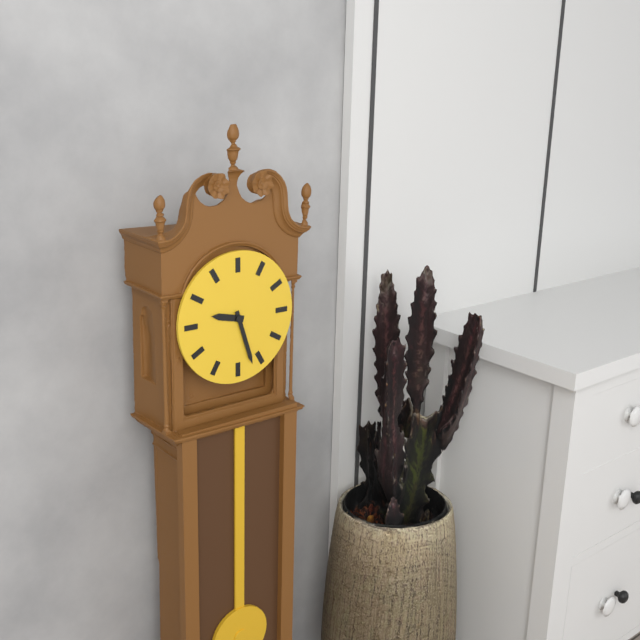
9:27
